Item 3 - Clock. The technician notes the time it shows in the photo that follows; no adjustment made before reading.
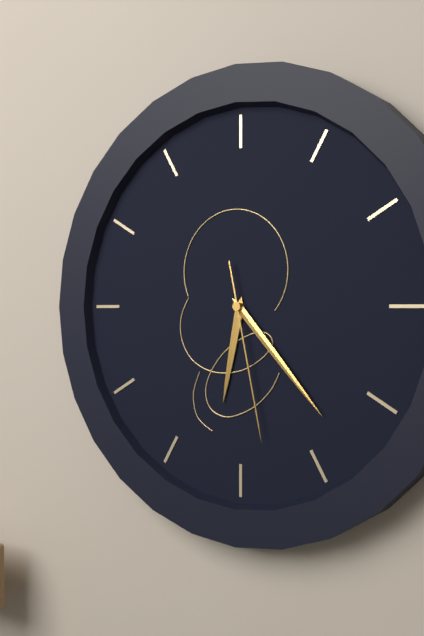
6:23:28
